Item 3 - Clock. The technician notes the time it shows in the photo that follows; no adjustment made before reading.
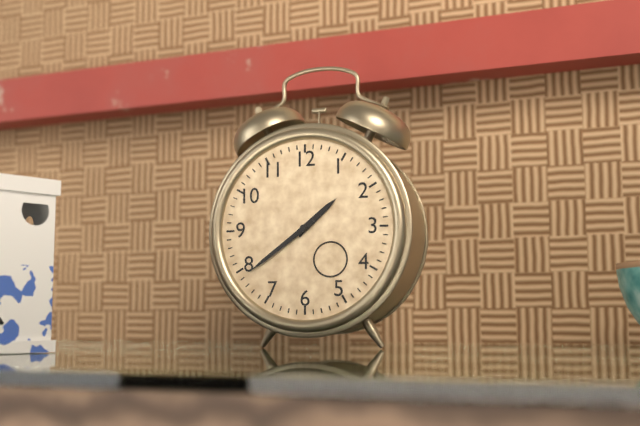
1:39
